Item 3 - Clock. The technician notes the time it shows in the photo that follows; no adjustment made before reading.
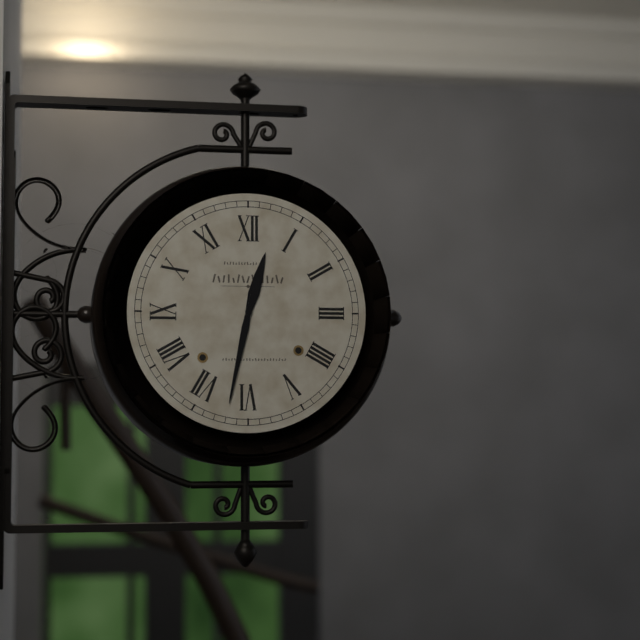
12:32
